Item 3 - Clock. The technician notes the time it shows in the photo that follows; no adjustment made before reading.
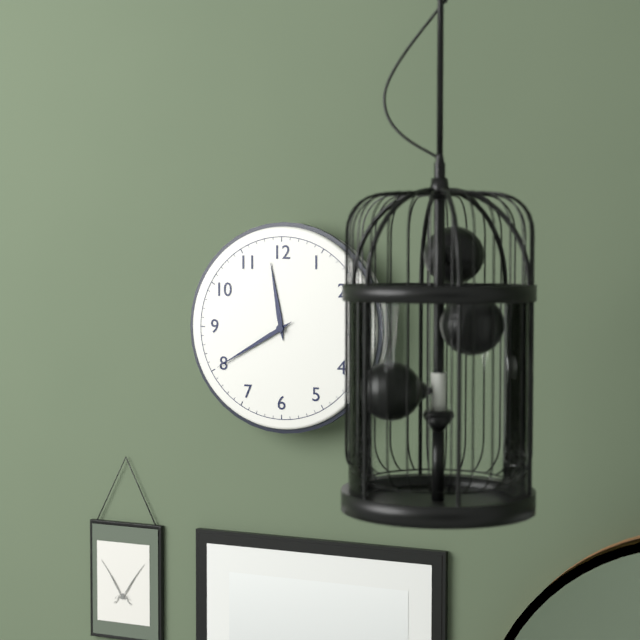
11:40
